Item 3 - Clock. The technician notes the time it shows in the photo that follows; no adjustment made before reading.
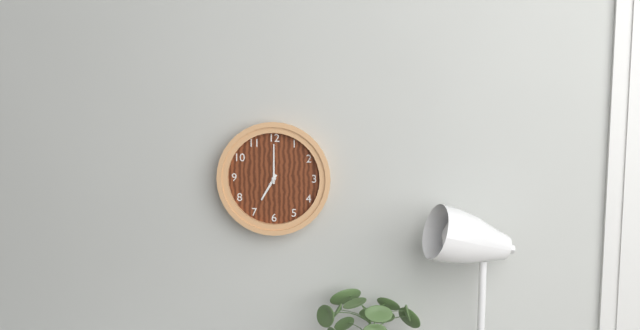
7:00
